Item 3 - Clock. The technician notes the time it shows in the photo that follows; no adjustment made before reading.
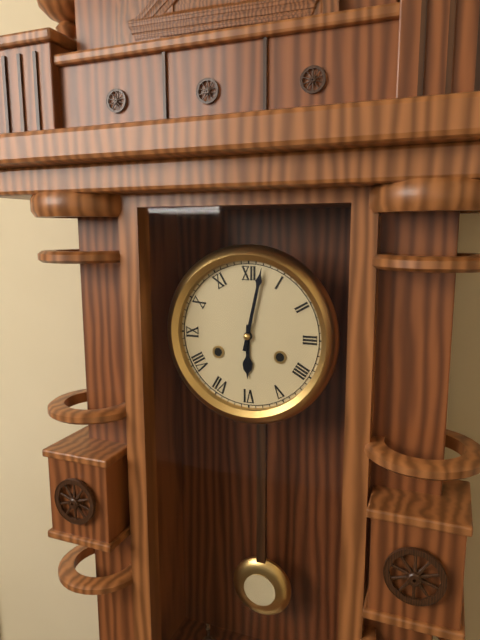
6:02
